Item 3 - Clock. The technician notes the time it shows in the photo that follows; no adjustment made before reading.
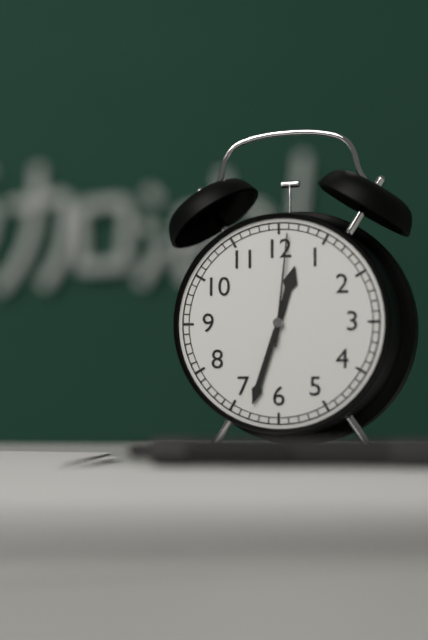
12:33:01
